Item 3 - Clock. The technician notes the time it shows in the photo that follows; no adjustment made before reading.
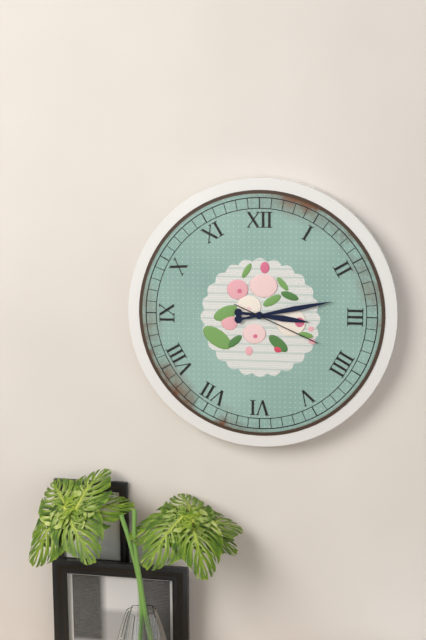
3:13:19
